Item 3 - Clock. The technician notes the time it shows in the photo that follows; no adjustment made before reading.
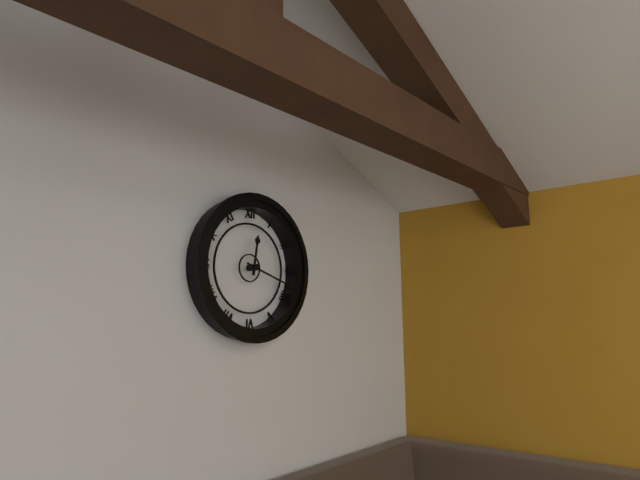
12:18
